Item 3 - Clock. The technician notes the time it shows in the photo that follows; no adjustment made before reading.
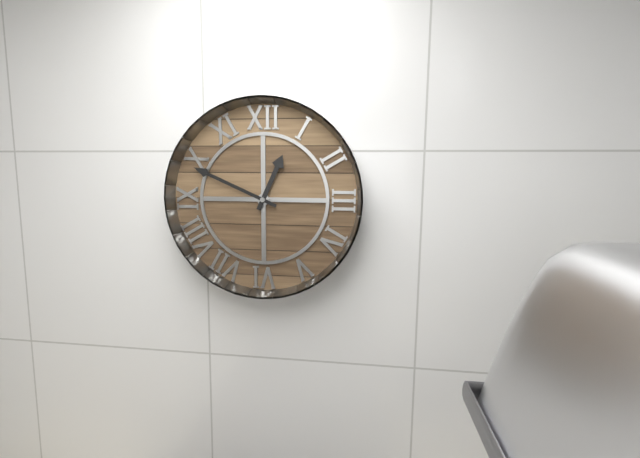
12:49
